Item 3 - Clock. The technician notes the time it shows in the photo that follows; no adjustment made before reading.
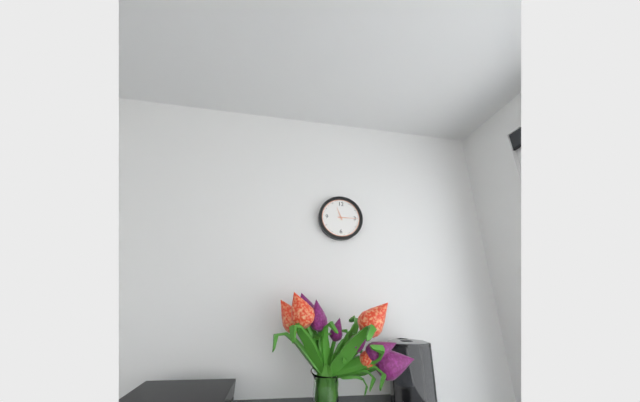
11:15
